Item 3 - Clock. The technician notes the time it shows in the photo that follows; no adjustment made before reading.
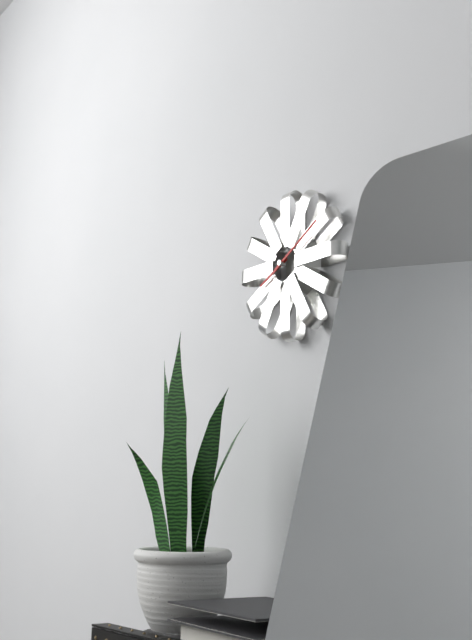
8:10
